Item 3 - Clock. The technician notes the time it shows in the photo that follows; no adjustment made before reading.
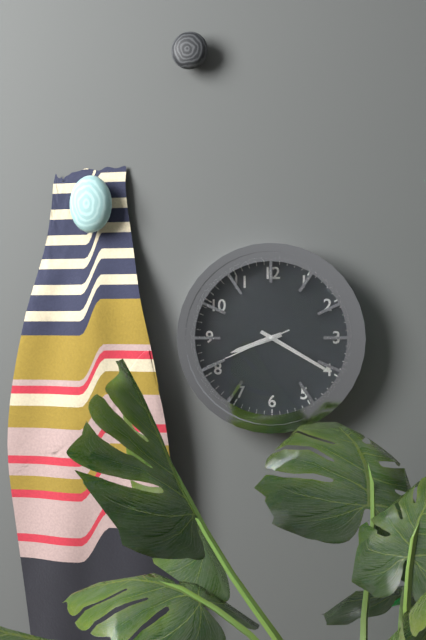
8:20:41
